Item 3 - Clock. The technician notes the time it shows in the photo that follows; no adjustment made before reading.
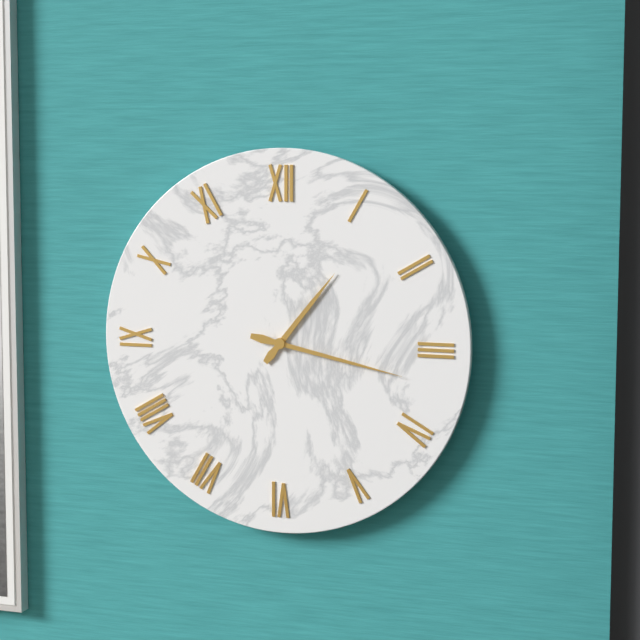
1:17
